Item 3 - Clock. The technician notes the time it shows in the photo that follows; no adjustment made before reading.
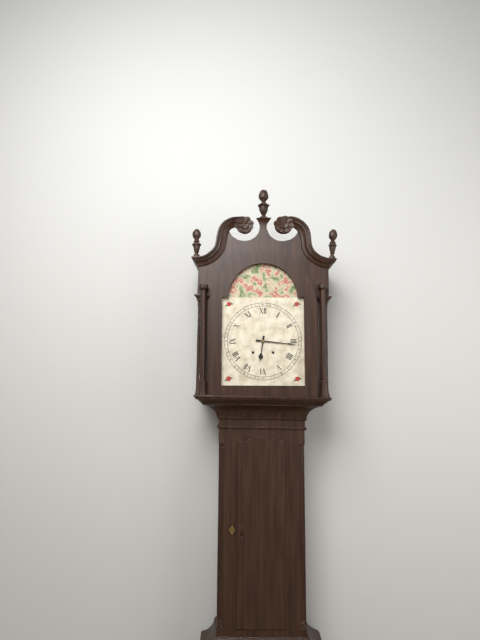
6:16
